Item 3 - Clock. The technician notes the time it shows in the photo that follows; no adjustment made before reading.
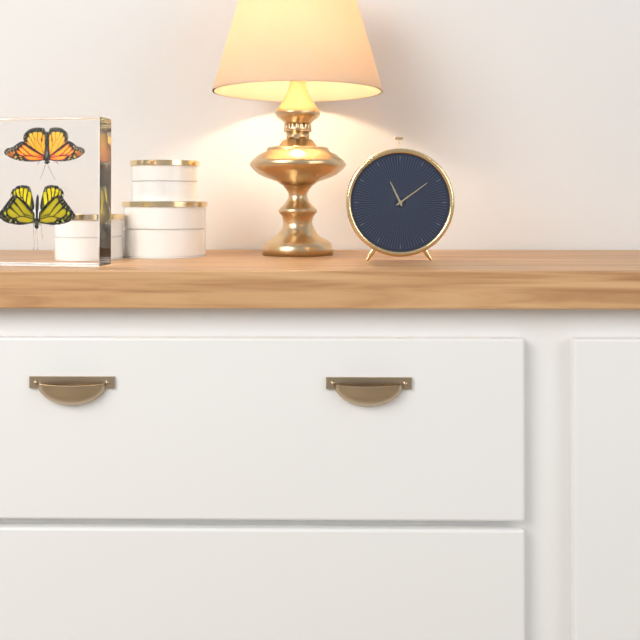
11:09
